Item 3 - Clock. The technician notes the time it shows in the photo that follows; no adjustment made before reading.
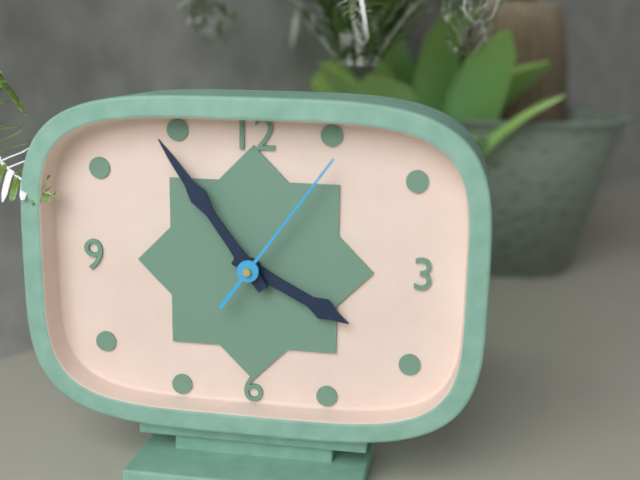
3:54:06
